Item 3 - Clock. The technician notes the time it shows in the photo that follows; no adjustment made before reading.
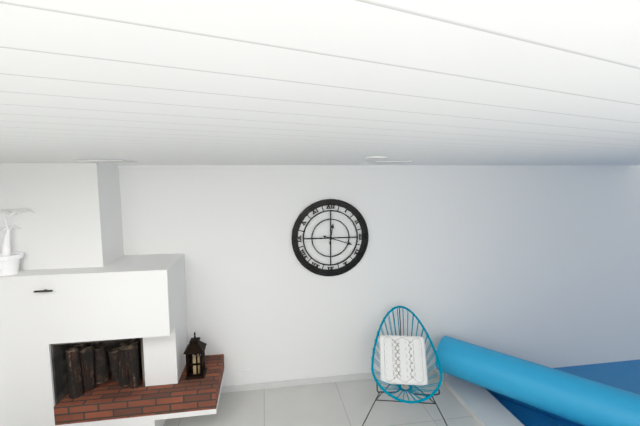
12:18
